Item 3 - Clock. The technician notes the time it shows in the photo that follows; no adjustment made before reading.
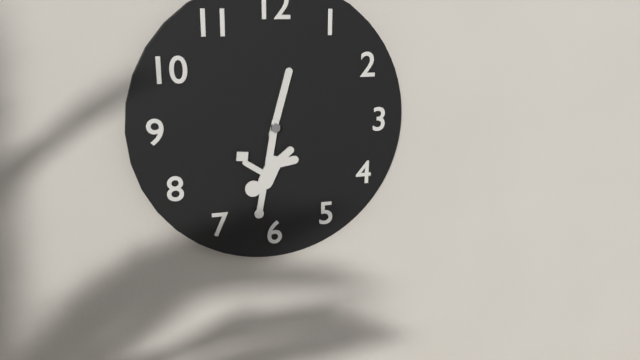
12:31
